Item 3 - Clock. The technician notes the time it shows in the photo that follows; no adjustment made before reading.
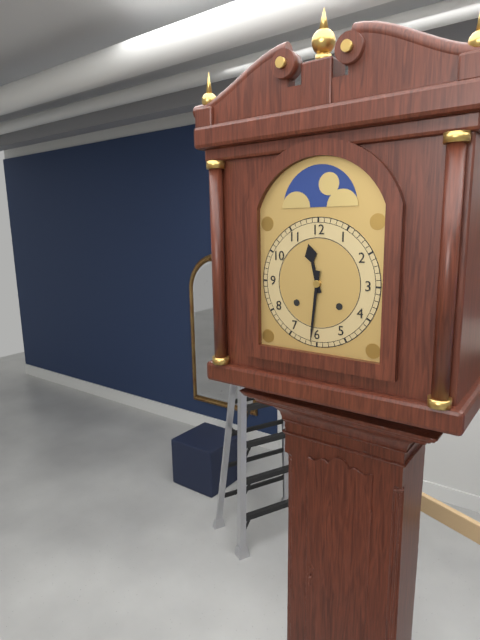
11:31
